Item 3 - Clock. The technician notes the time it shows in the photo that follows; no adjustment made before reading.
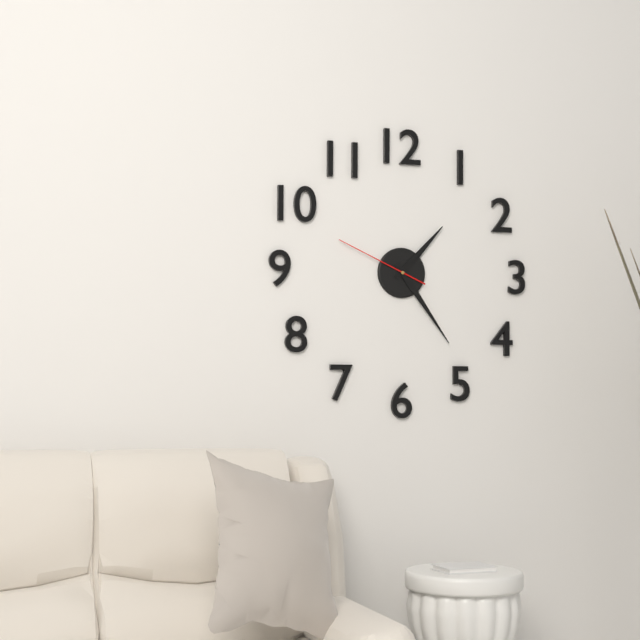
1:24:49
